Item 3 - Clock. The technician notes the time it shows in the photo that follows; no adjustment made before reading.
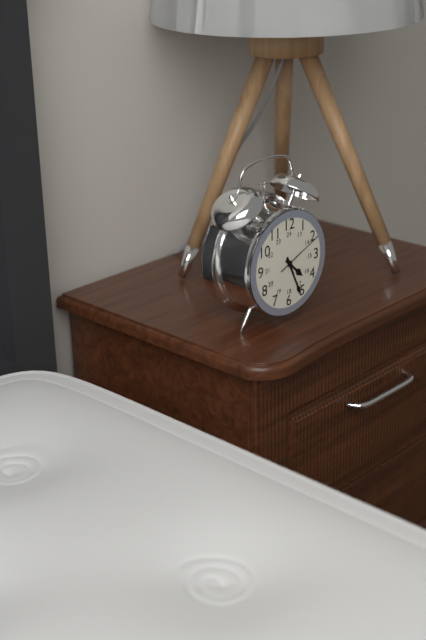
4:26:11
